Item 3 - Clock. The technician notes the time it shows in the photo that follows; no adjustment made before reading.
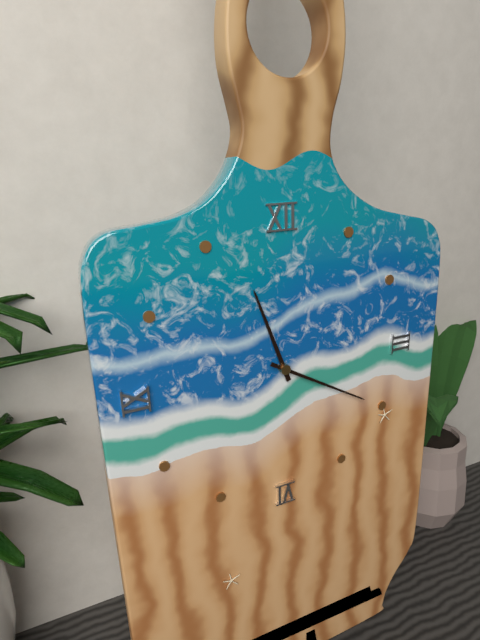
11:20
